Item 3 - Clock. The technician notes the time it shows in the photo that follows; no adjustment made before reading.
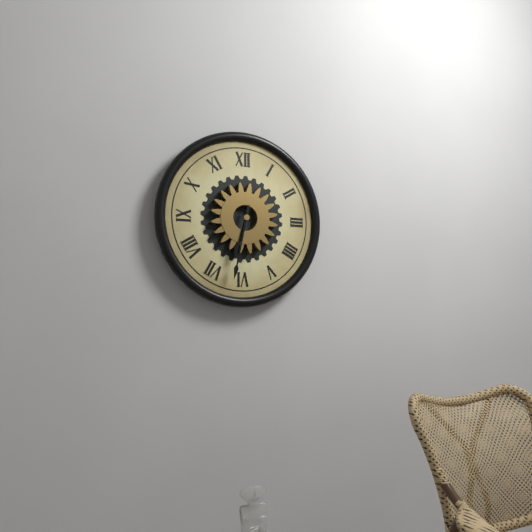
6:32
